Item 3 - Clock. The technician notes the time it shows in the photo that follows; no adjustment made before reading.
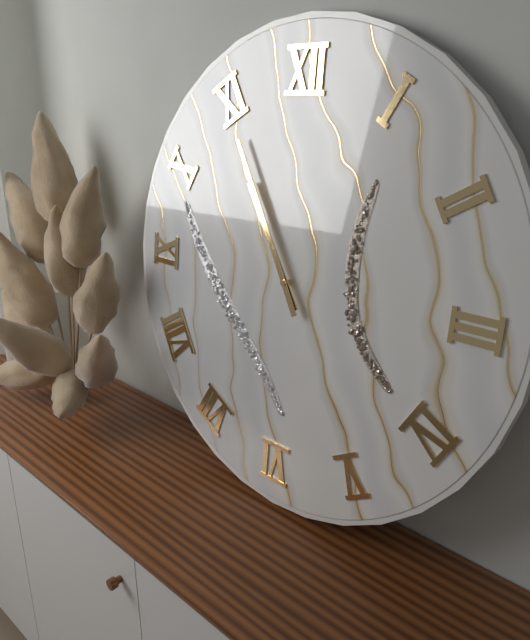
10:55
